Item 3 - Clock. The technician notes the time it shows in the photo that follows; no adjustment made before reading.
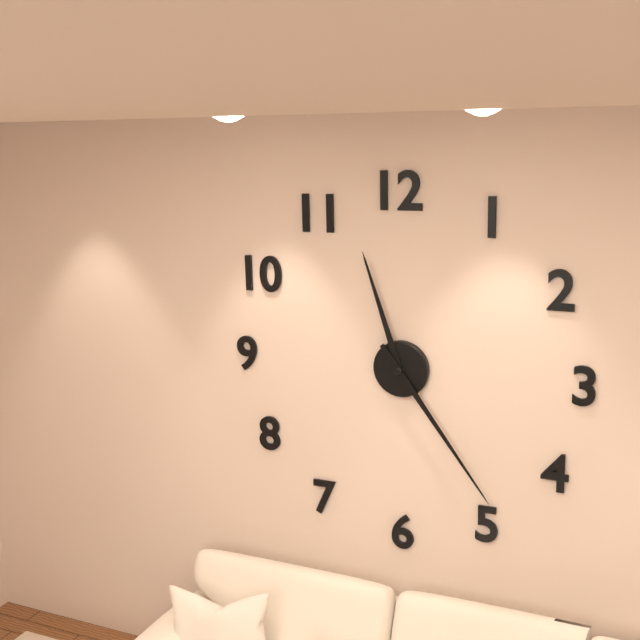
11:24
